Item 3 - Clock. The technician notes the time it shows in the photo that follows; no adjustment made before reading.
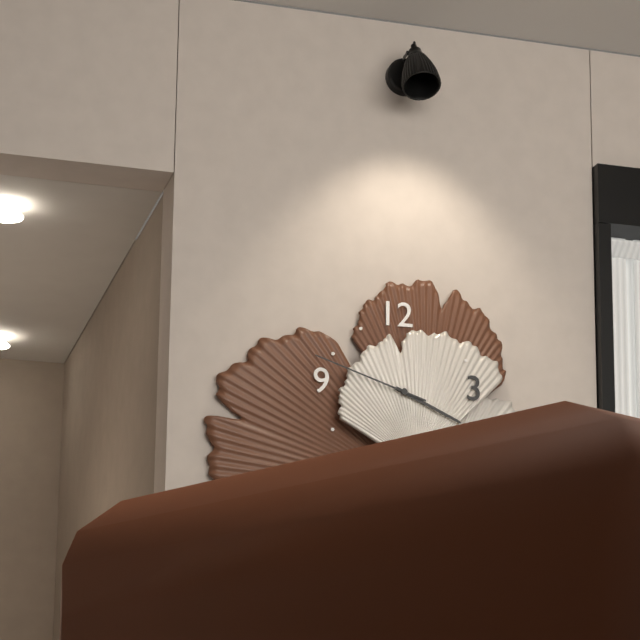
3:48
